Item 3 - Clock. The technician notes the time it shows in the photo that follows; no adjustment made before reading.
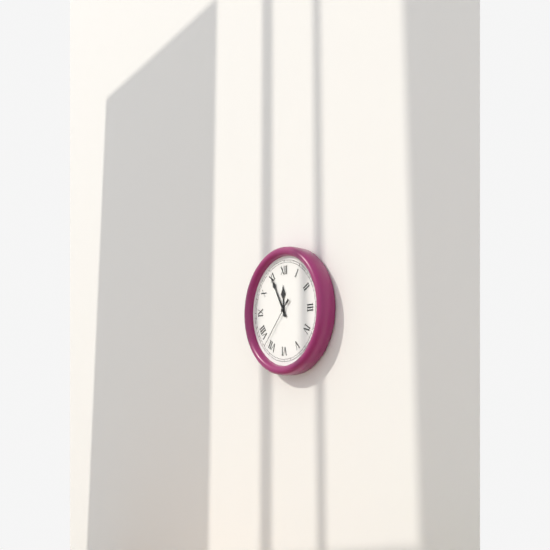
11:55
